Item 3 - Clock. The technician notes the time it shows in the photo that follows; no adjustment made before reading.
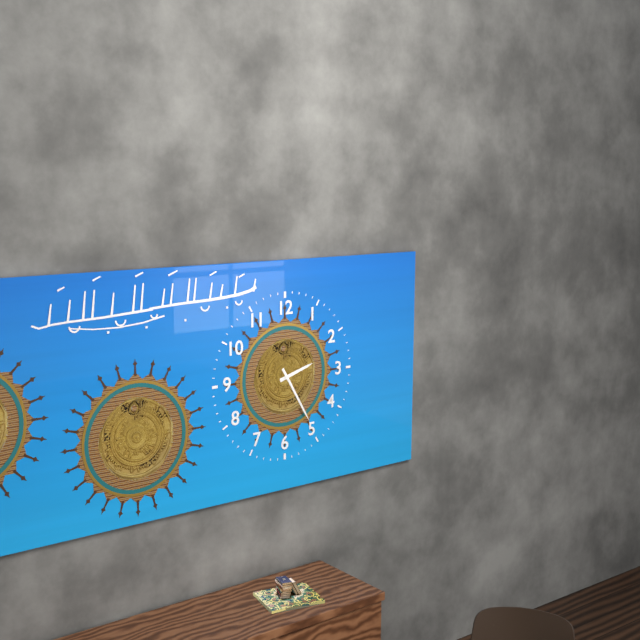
2:25
